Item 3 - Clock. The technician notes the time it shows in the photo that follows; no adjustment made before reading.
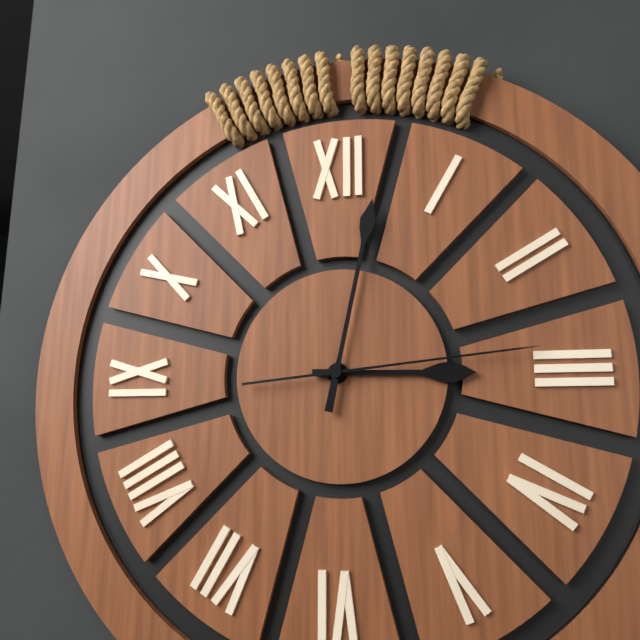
3:02:14
